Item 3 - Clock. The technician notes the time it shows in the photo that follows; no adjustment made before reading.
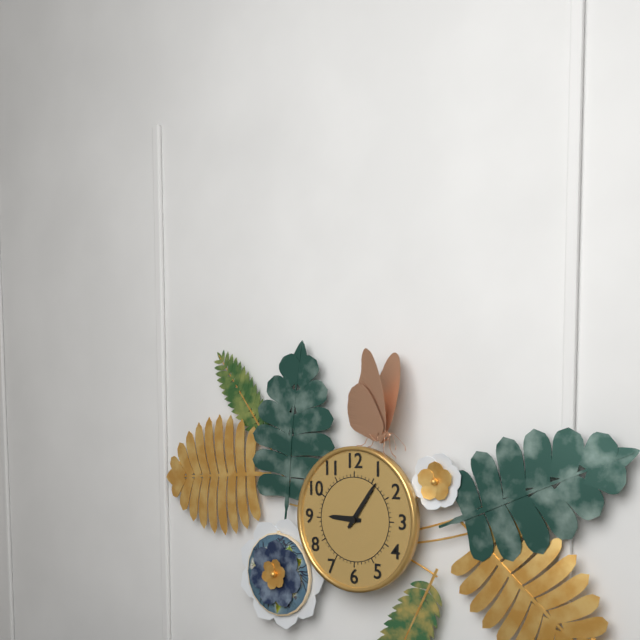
9:06
